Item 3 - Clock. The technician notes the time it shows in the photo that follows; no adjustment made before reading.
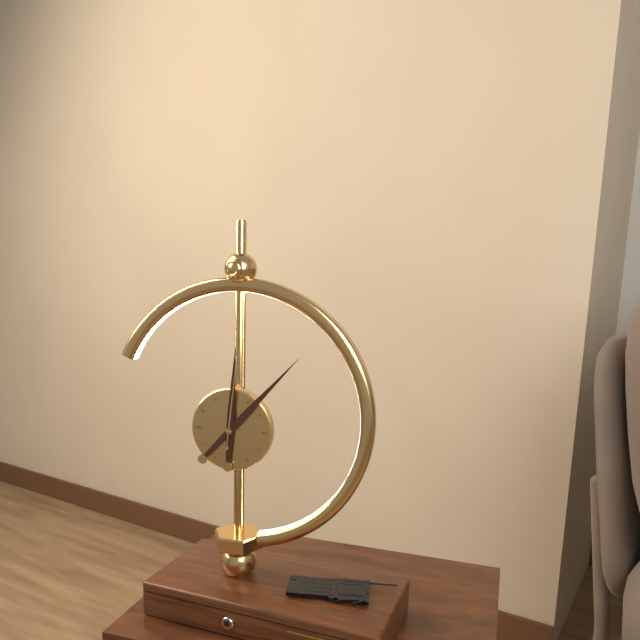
12:07:01
